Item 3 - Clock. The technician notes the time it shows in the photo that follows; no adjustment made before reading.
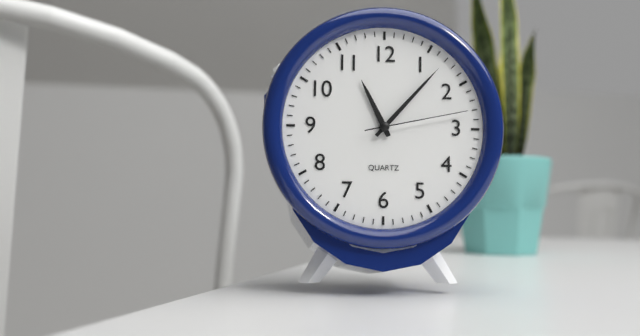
11:07:13
